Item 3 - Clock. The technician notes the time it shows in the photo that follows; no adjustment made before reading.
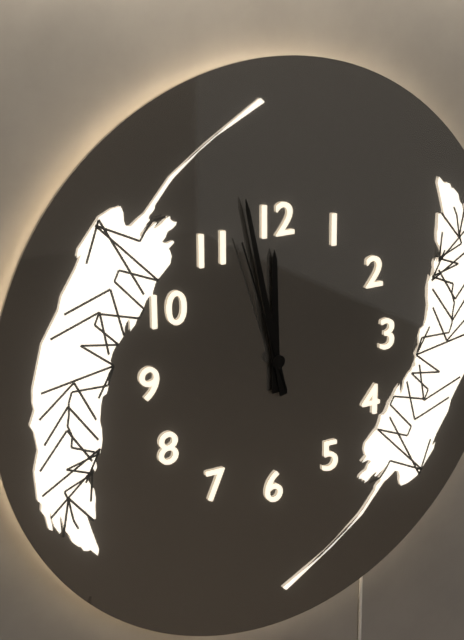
11:58:57
